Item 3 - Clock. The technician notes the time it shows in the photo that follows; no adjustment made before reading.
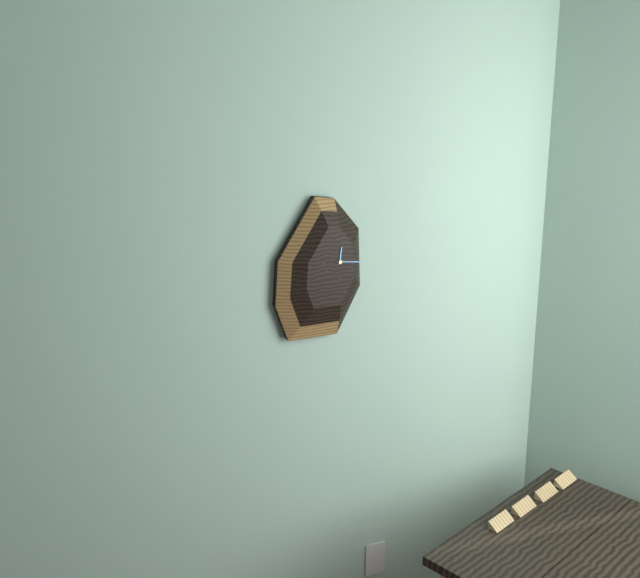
12:16
